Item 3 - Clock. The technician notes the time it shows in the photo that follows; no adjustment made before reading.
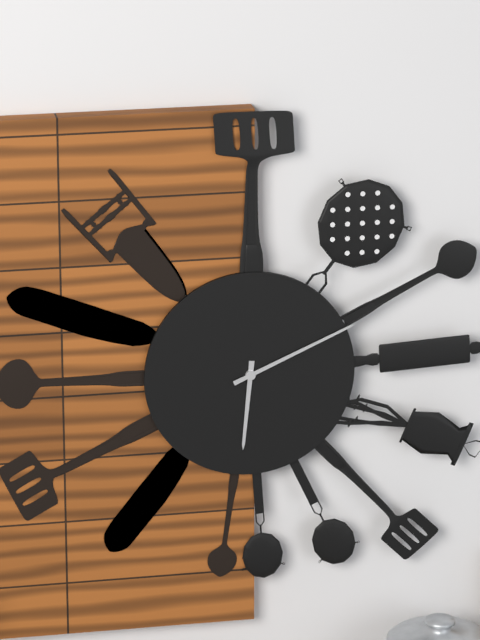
6:11
